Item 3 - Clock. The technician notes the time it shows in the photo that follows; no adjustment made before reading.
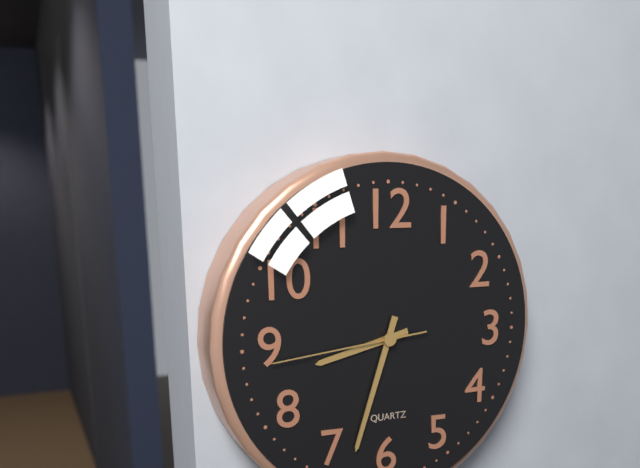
8:33:44
